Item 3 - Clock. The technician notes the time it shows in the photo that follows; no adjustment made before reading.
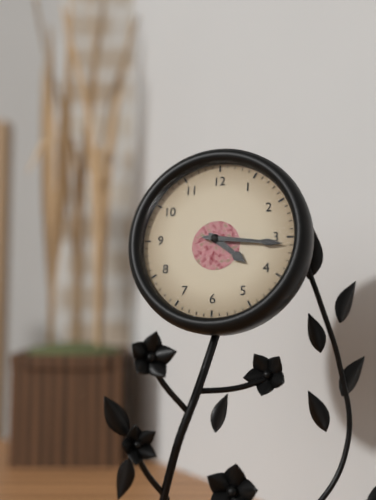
4:16
